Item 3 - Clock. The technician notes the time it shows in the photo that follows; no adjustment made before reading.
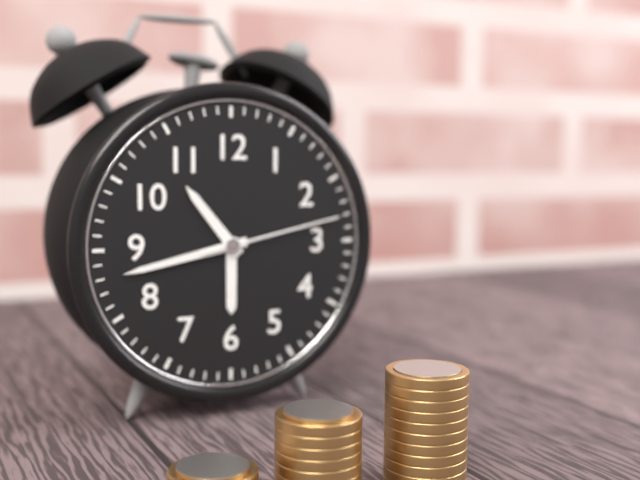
10:43:13
